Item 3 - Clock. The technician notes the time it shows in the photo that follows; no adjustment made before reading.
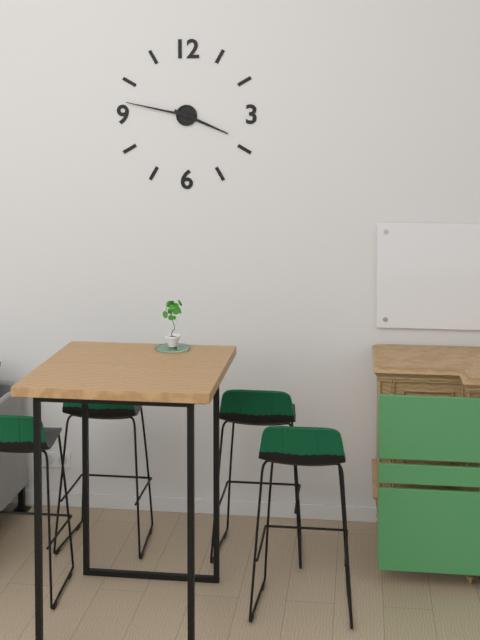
3:47
